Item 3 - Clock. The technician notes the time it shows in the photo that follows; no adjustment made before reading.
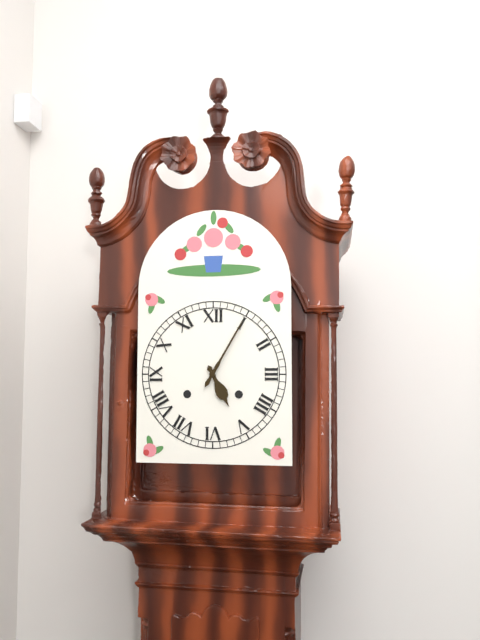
5:05
